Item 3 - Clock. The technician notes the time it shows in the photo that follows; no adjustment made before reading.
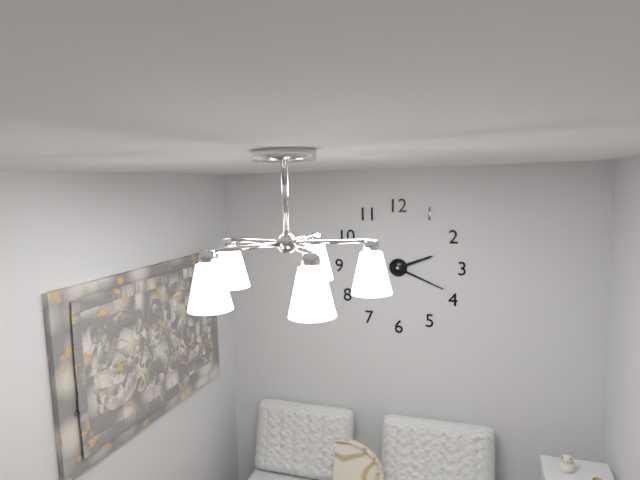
2:19
